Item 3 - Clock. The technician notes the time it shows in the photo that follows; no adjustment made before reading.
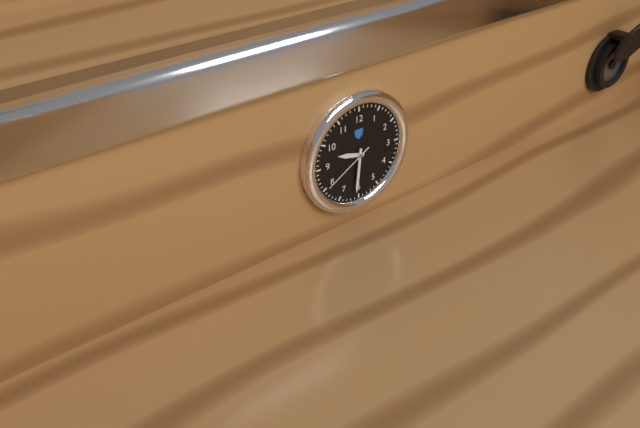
9:31:40
